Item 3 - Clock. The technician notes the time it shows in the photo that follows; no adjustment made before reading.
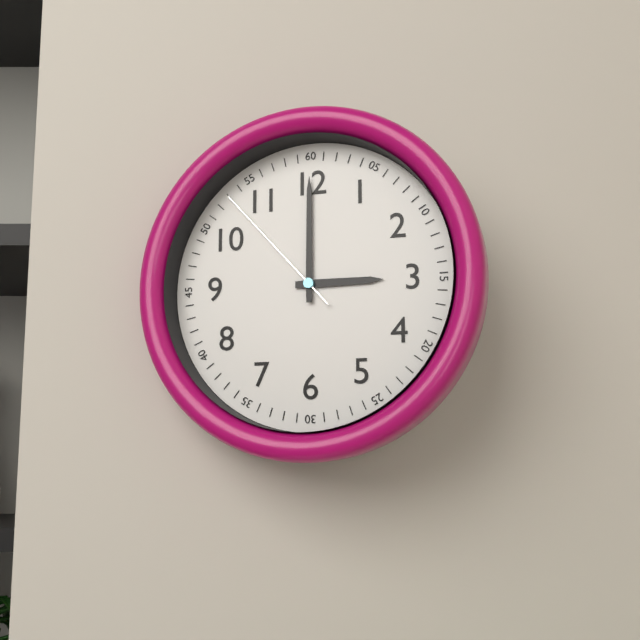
3:00:53
